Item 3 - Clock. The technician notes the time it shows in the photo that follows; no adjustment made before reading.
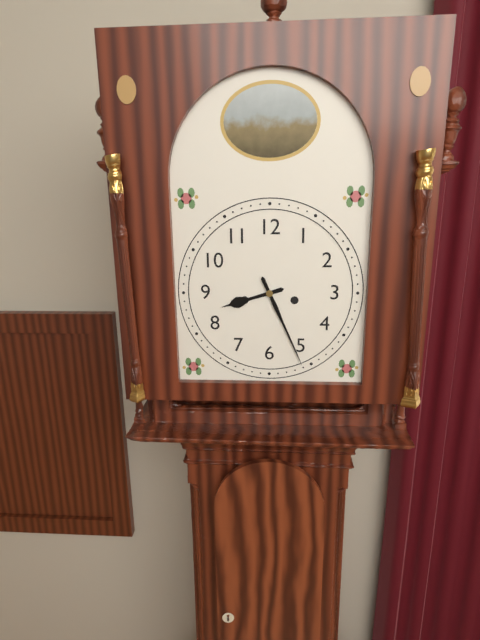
8:26
